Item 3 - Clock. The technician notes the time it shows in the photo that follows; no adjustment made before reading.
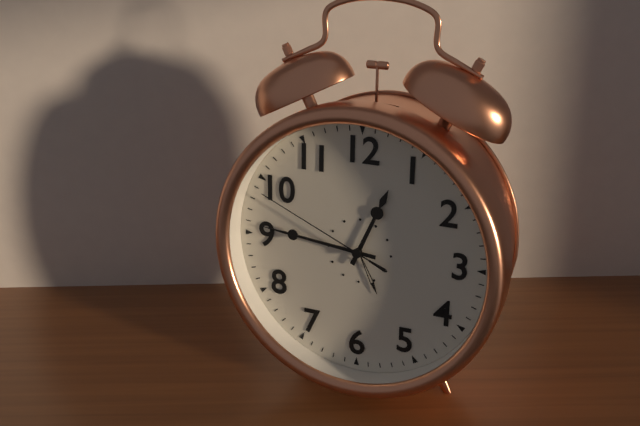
12:46:49
